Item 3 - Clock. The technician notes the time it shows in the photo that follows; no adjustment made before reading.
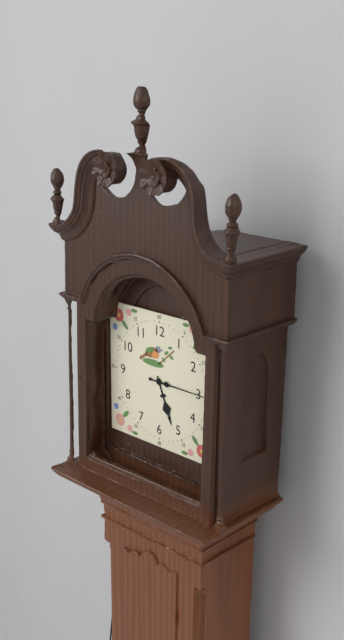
5:15
